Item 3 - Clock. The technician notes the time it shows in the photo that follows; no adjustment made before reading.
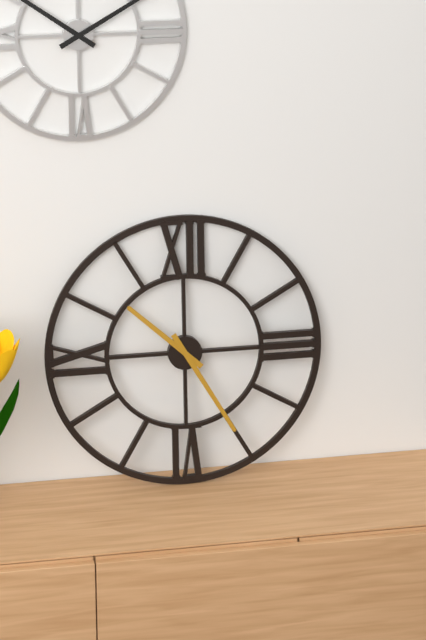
10:25
